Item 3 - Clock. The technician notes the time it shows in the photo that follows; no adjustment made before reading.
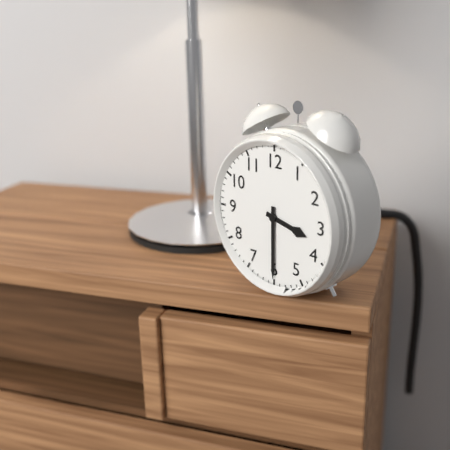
3:30
